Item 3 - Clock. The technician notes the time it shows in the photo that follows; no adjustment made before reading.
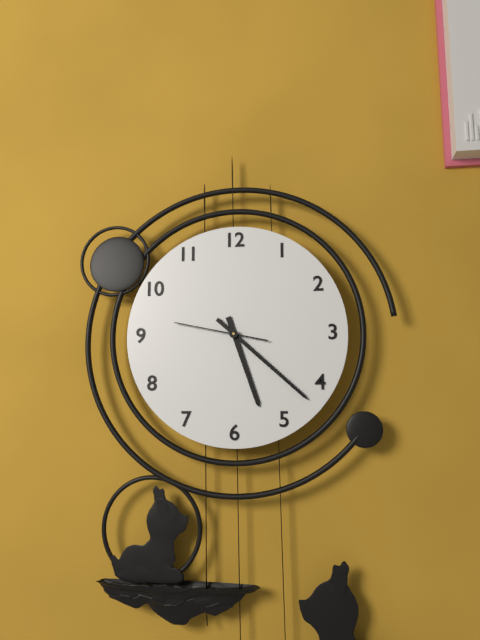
5:22:47
